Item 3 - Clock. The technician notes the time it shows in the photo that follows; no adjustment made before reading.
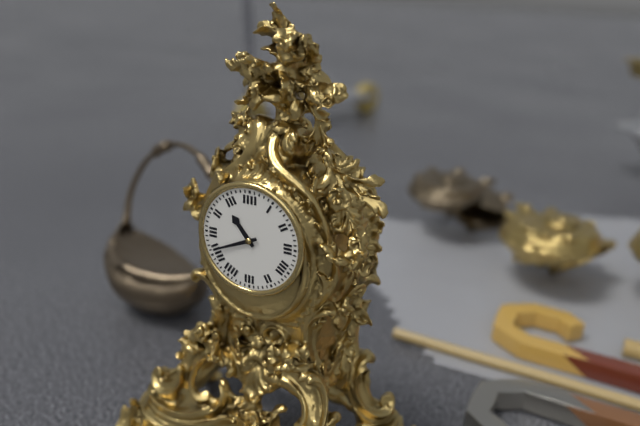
10:41
